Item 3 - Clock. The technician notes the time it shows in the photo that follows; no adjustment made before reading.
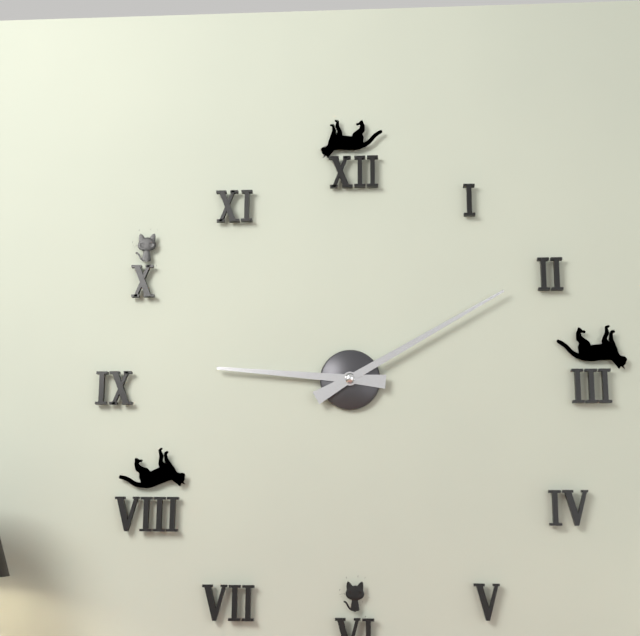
9:10
